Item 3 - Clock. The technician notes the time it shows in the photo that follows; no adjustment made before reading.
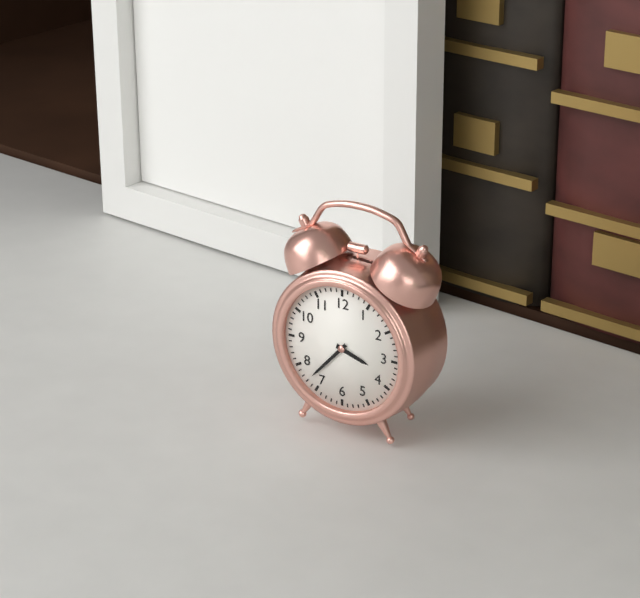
3:37
